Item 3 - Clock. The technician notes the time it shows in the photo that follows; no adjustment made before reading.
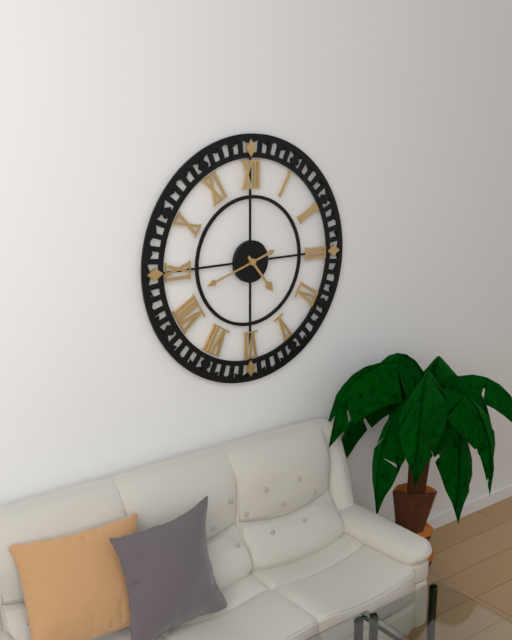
4:42
